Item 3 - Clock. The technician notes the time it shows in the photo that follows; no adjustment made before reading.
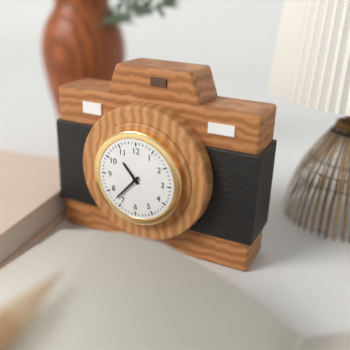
10:37
